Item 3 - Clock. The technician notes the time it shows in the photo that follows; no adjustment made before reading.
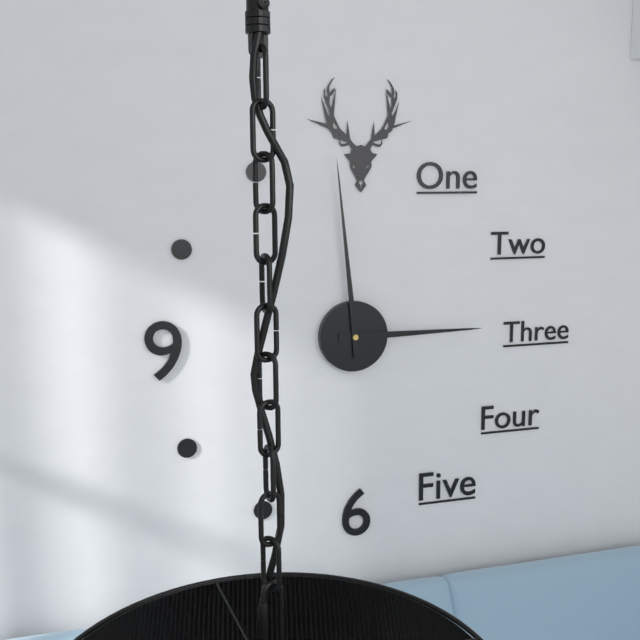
2:59
